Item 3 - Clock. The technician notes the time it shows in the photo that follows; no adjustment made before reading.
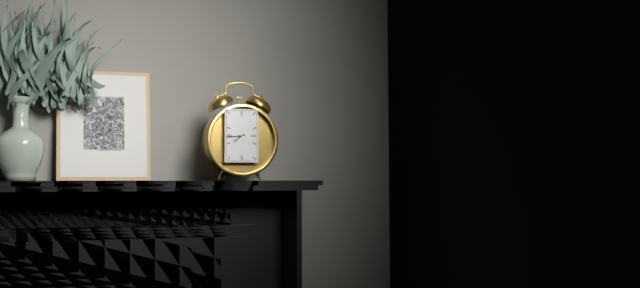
7:44
